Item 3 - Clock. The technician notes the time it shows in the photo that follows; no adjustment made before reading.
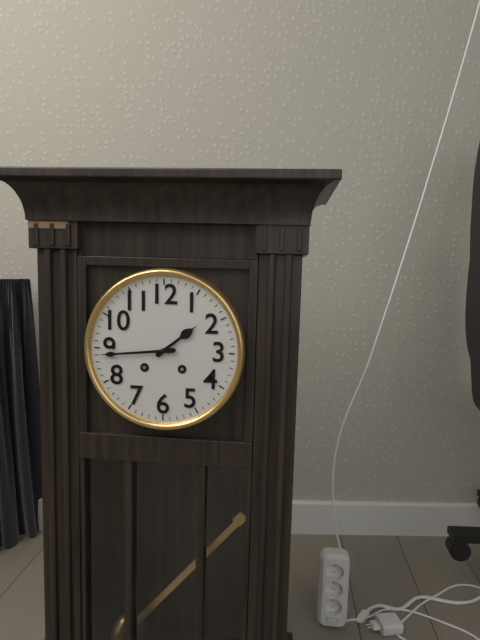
1:44
